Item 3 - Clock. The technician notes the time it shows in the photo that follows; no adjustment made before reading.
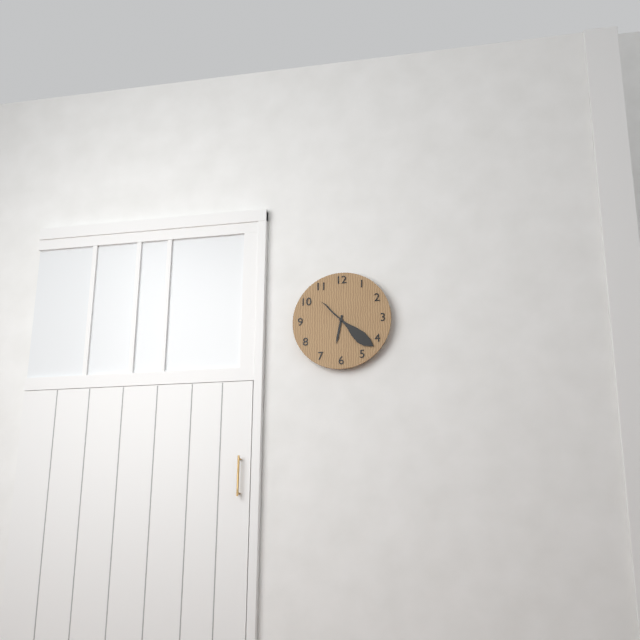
6:22
